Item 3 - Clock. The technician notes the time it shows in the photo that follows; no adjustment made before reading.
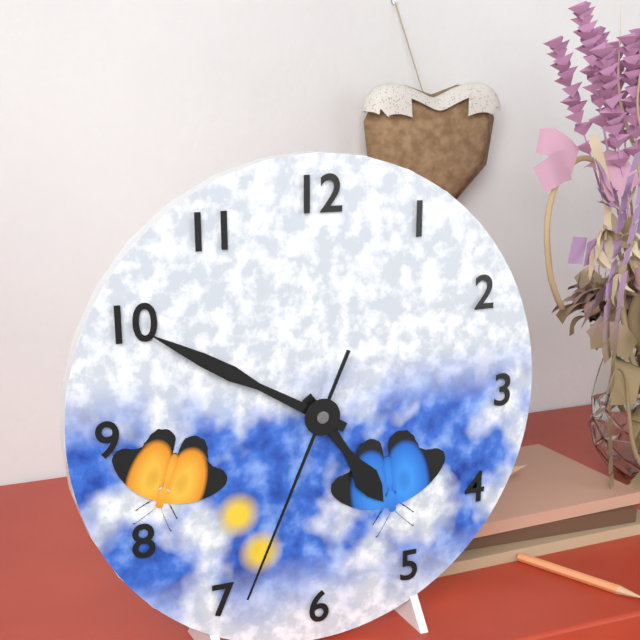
4:50:34
